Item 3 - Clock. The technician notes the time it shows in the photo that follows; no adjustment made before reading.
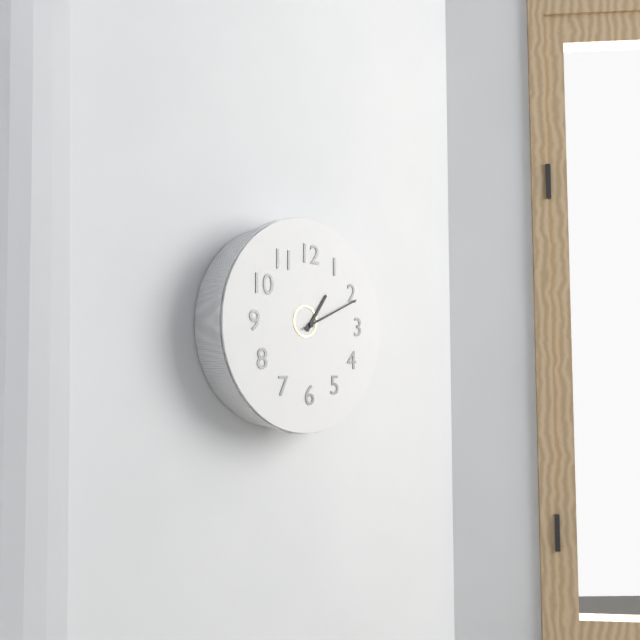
1:11
